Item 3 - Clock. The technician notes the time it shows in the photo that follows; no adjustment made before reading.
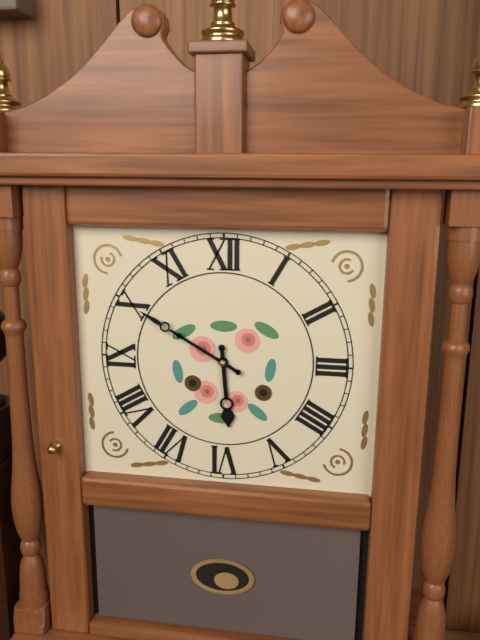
5:50
